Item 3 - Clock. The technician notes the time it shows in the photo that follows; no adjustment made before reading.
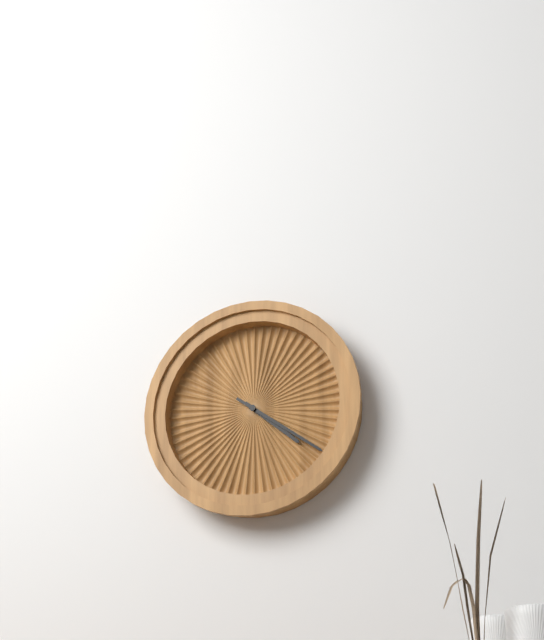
4:21
